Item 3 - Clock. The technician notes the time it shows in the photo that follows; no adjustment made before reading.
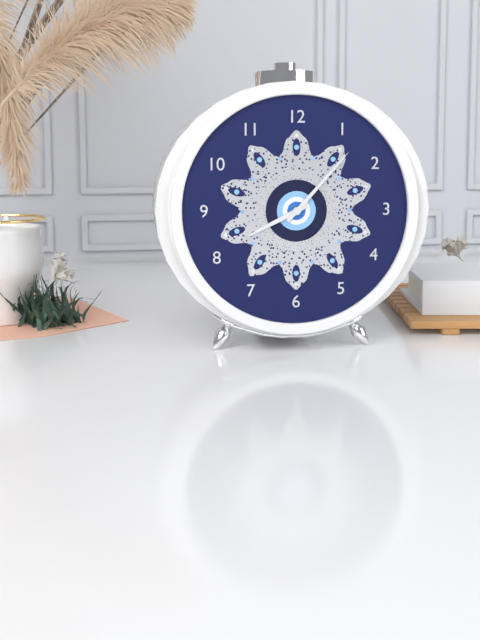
8:07
